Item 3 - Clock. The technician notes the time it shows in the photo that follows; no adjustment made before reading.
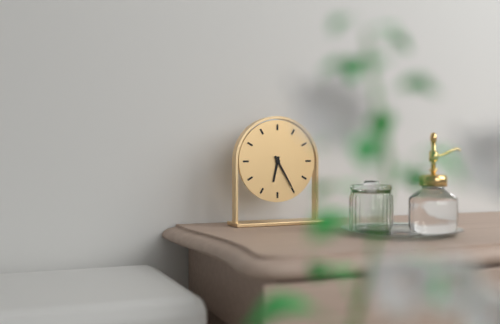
6:25
